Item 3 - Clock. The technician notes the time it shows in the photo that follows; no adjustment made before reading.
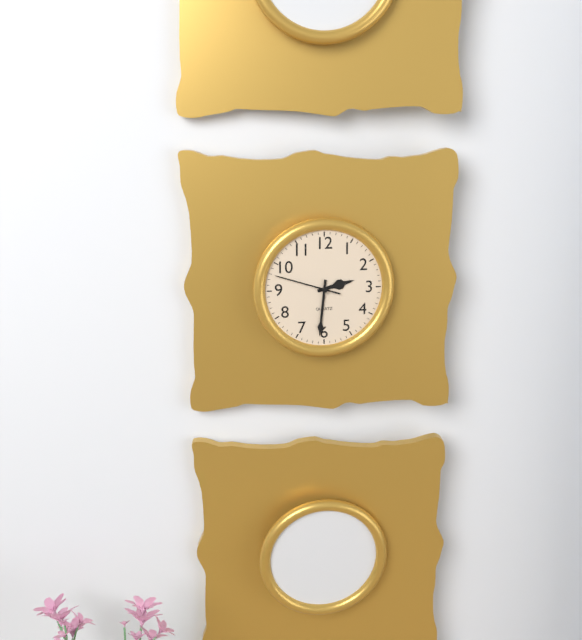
2:31:48
